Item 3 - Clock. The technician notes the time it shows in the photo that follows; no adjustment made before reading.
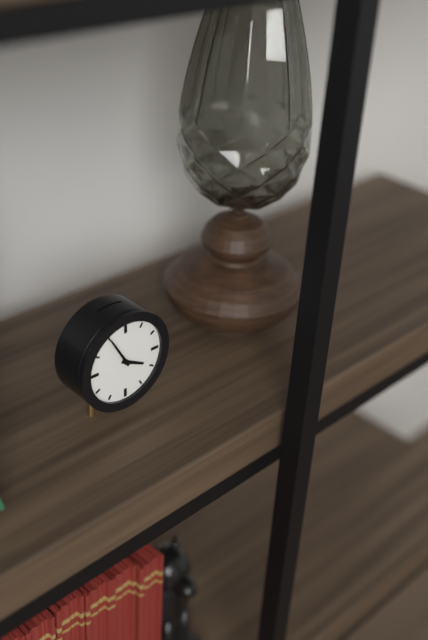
3:55
